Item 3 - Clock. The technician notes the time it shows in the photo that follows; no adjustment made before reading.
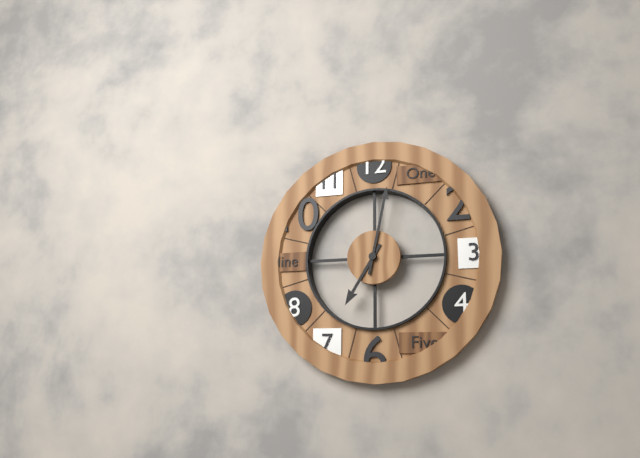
7:02
